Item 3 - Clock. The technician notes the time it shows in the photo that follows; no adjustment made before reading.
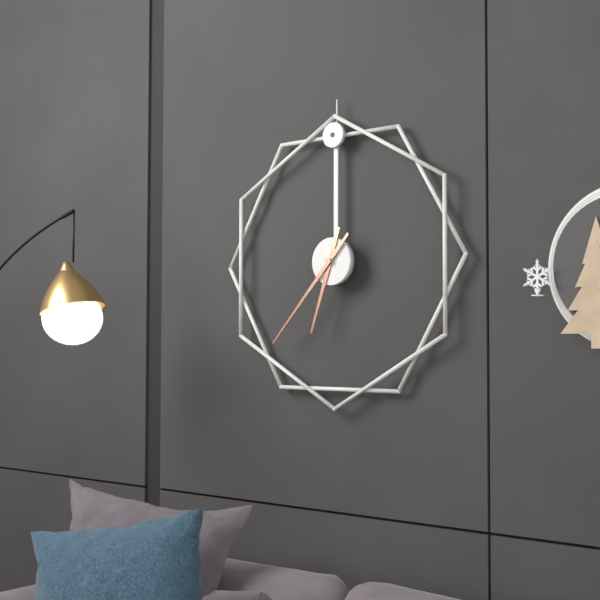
6:37
